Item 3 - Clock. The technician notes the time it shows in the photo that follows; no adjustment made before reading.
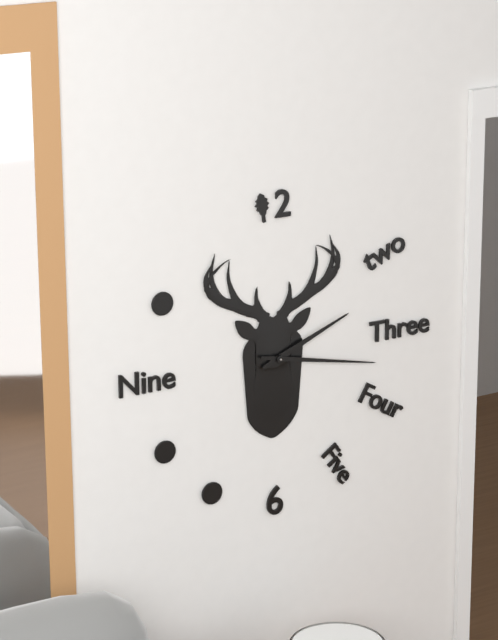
2:17
